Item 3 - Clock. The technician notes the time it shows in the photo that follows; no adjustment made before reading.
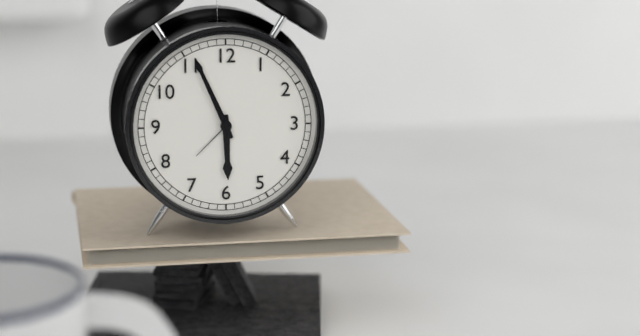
5:56
